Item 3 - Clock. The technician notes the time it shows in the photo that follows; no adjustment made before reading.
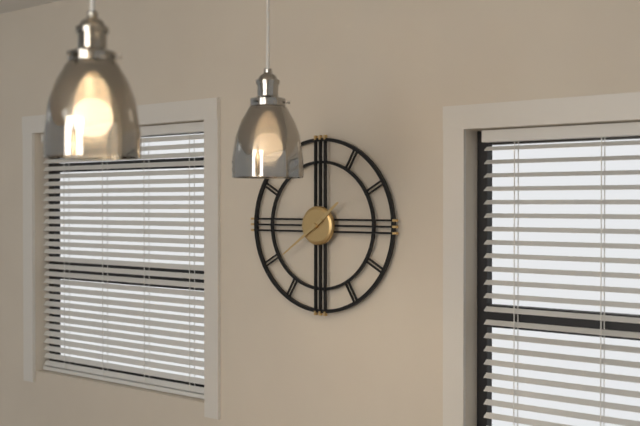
1:39
